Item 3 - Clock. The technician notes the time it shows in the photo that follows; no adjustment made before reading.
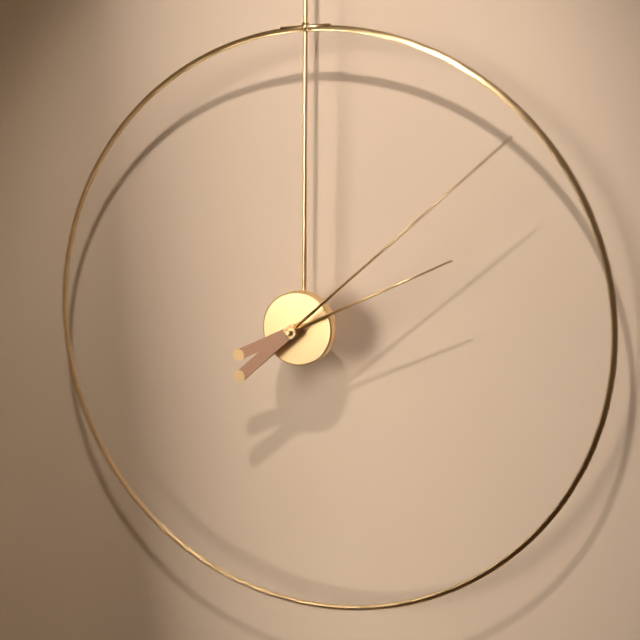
2:08
